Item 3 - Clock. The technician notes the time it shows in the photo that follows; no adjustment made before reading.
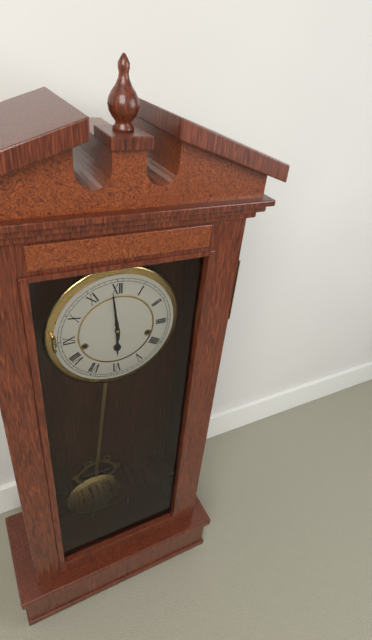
5:59
